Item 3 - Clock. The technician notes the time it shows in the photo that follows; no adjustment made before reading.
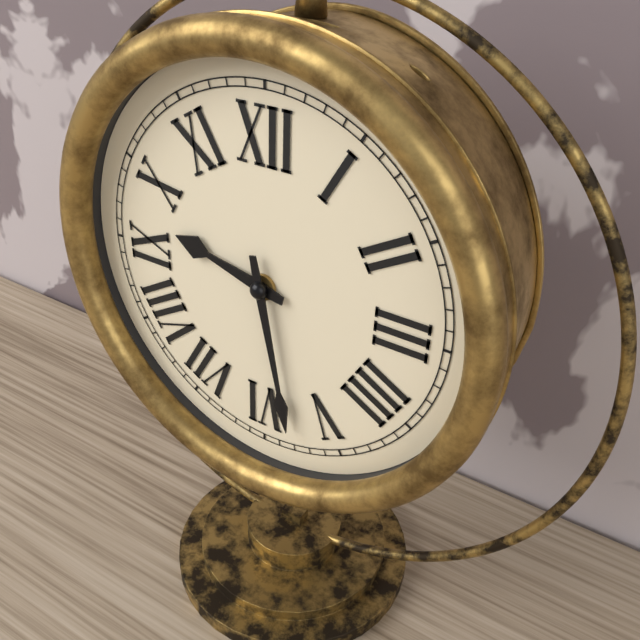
9:28
